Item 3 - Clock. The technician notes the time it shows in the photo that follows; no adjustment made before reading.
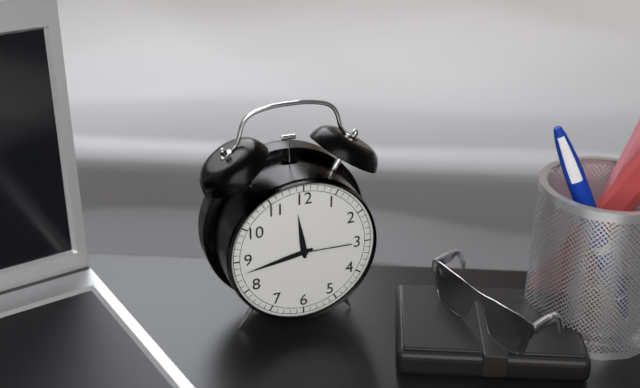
11:43:15
